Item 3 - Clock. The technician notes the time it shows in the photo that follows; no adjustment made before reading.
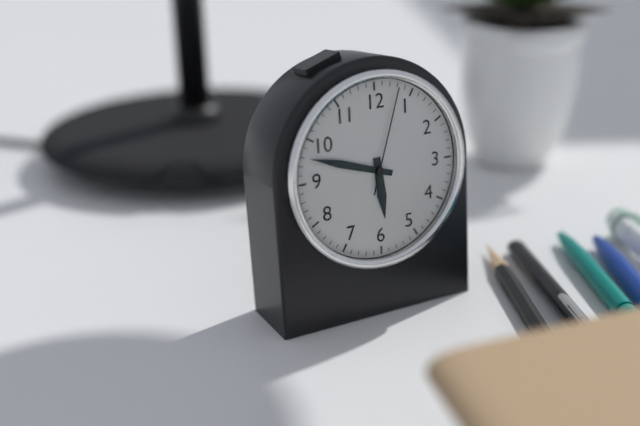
5:48:03
